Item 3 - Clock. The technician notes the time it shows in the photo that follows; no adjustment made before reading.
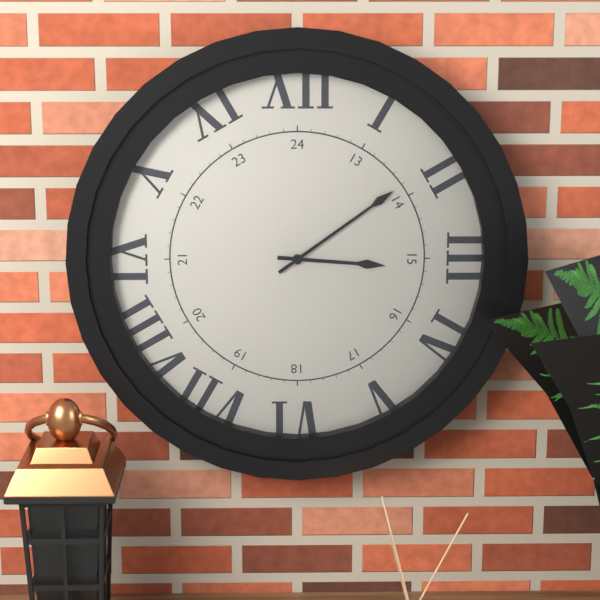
3:09
